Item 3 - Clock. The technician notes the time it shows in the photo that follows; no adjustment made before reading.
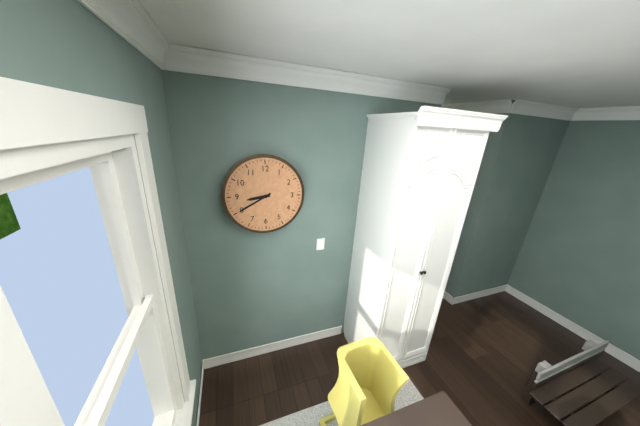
8:40
